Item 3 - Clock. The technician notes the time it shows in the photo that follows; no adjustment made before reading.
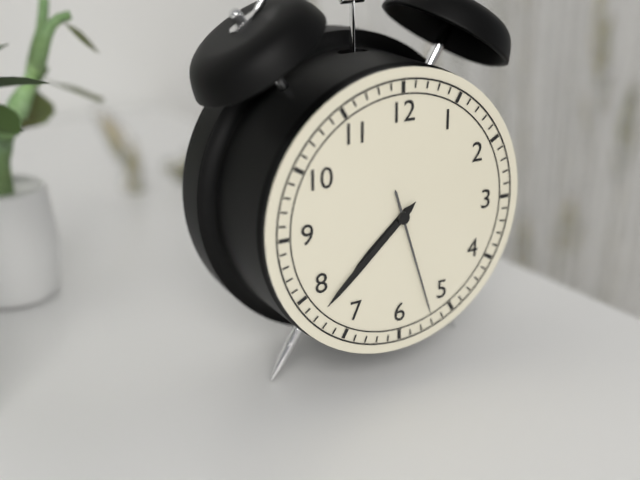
7:38:27
